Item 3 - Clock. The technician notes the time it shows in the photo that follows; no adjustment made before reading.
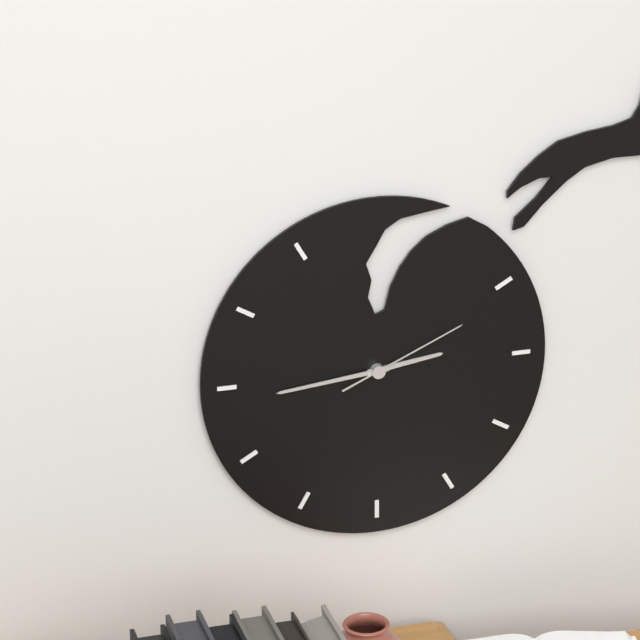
2:44:11
